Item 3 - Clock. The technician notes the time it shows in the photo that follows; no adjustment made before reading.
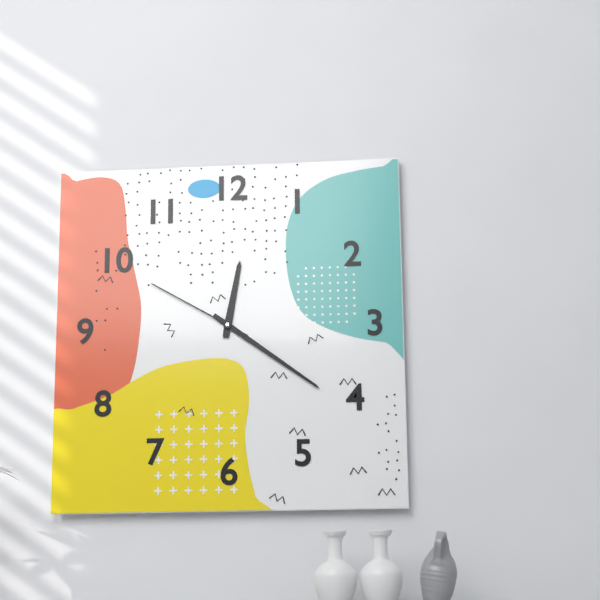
12:21:50
